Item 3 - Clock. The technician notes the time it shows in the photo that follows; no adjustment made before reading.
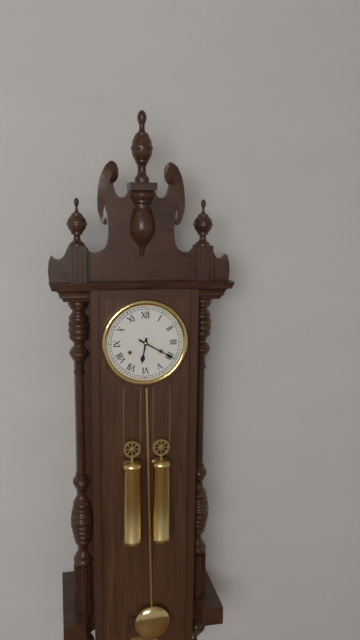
6:20
